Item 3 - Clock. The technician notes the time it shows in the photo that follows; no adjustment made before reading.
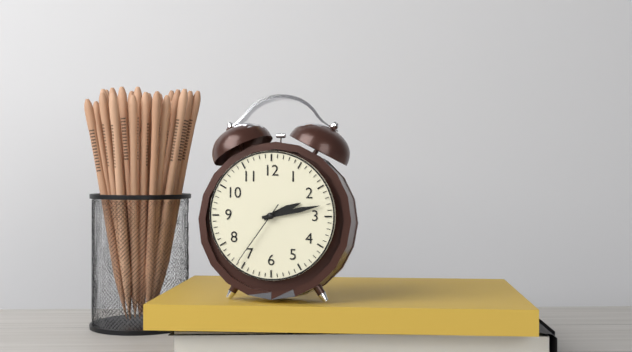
2:13:36
